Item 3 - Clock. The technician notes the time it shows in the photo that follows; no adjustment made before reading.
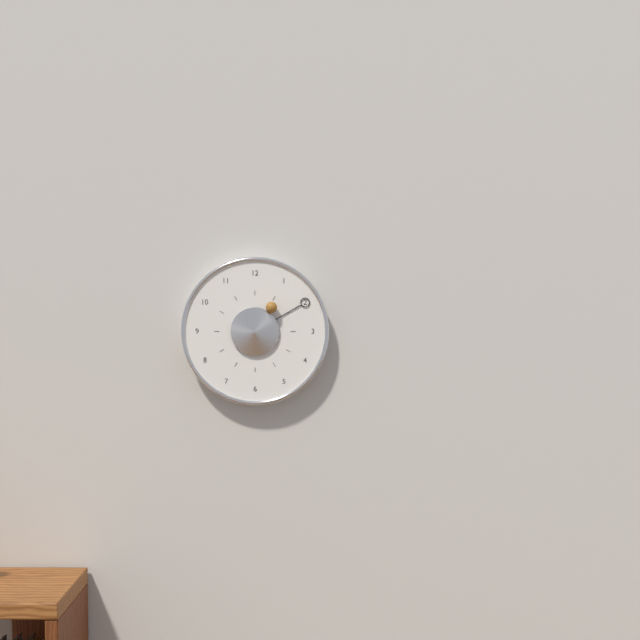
1:10
